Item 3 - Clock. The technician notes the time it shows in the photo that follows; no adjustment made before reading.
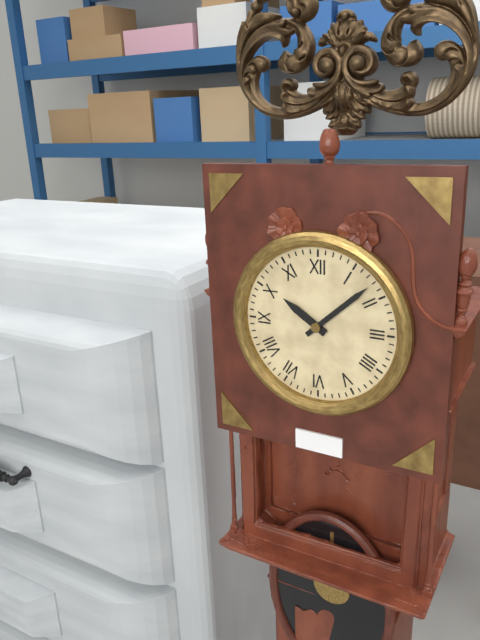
10:08
